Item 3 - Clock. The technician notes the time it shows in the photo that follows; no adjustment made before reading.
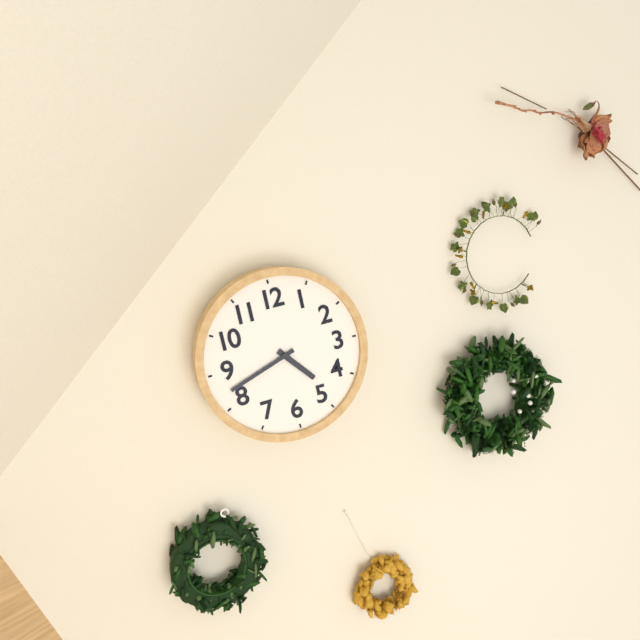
4:42
